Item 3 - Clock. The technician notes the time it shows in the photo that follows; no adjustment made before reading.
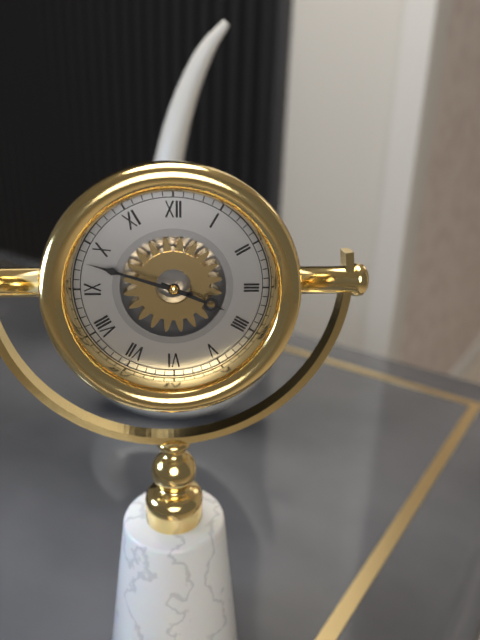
3:48
